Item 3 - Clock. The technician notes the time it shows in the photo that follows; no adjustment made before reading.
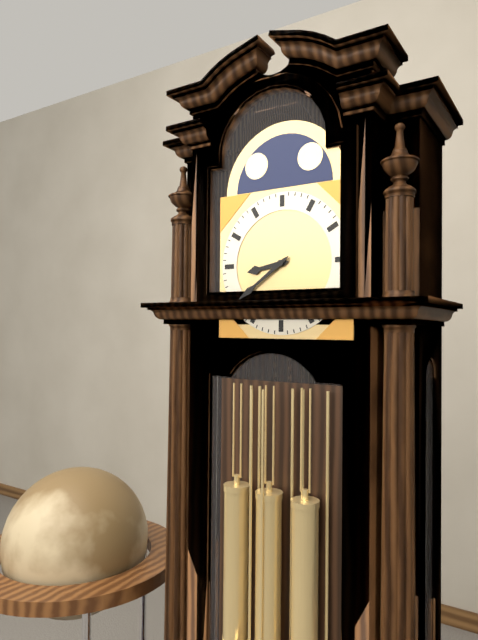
8:39
